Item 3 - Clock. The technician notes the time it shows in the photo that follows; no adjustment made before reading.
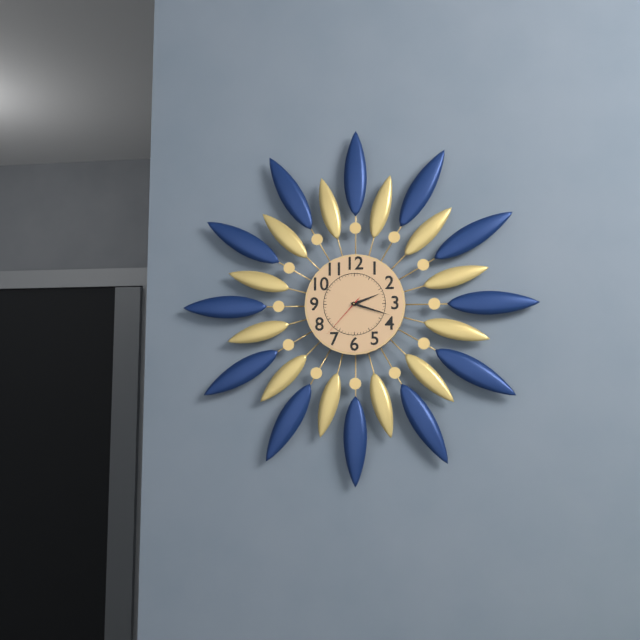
2:18:37
